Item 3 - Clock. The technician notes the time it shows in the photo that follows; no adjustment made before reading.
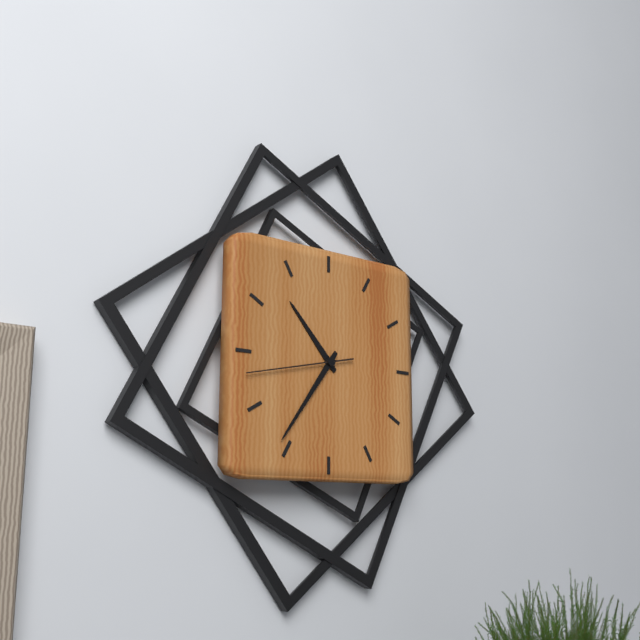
10:36:43
